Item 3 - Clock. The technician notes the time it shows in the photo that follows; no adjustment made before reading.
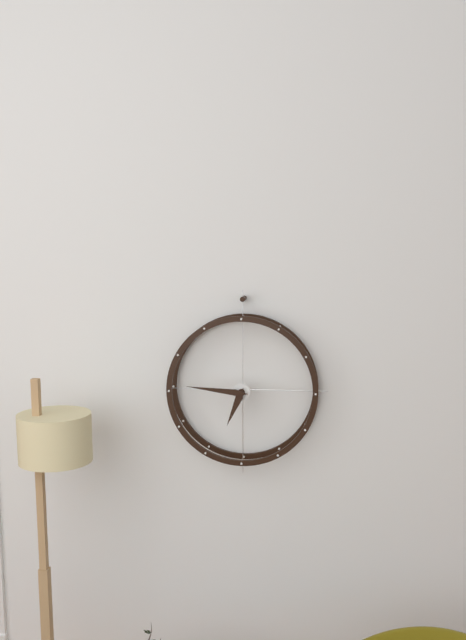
6:46
